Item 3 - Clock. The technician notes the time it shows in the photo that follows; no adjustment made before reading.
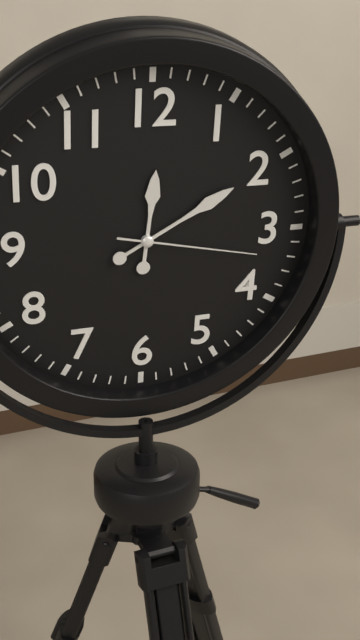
12:10:17
